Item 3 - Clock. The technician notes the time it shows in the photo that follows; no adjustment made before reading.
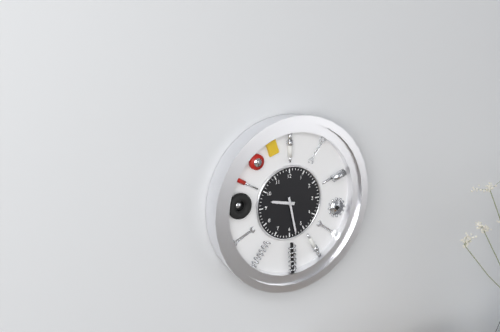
9:28
